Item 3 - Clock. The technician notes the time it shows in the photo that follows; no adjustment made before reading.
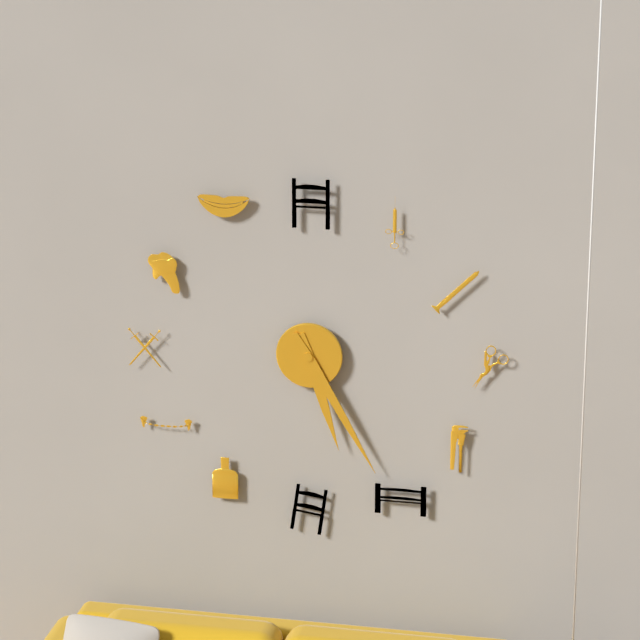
5:25
